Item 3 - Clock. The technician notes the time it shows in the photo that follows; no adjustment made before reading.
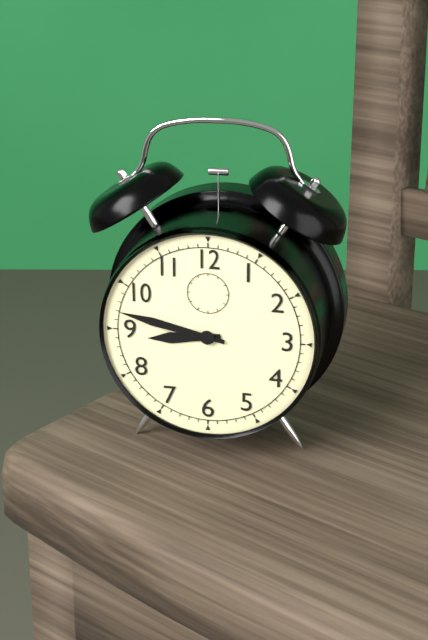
8:47
